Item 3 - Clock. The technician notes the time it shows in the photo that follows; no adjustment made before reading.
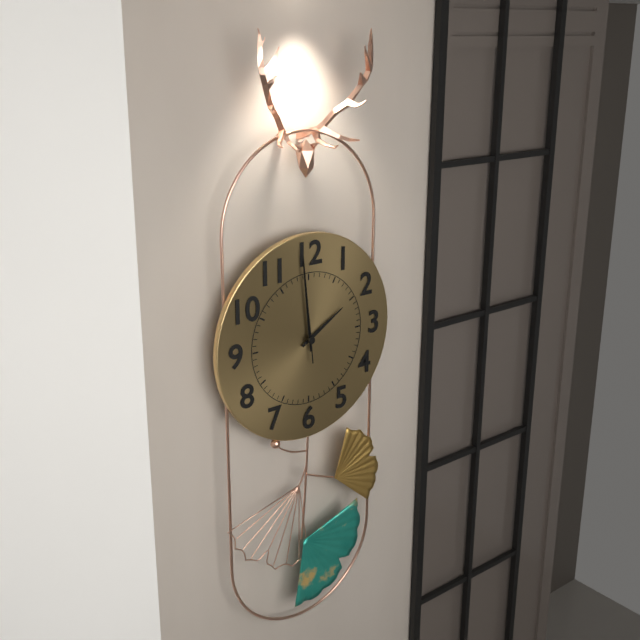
1:59:59
